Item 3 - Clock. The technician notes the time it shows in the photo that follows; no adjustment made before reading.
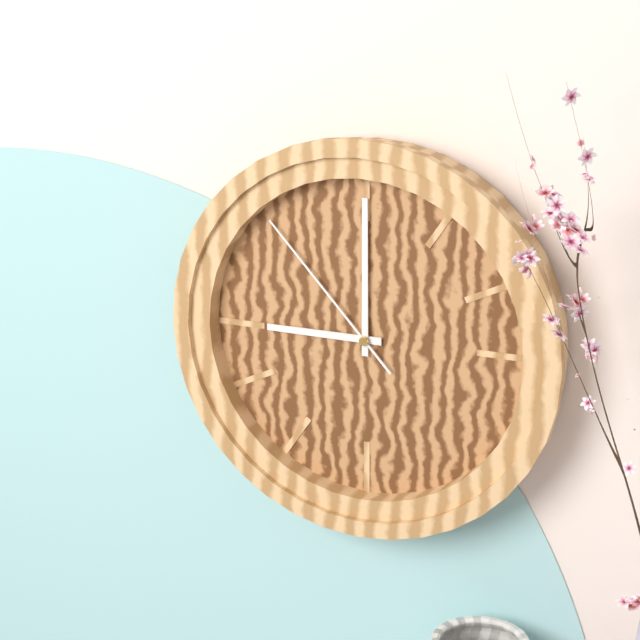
9:00:53
